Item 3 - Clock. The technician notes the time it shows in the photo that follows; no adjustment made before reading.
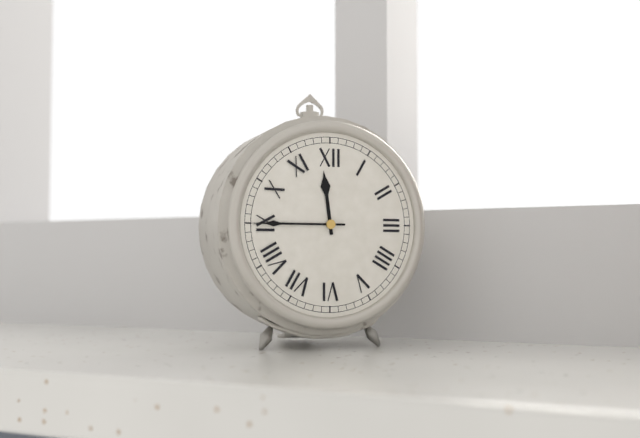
11:45
